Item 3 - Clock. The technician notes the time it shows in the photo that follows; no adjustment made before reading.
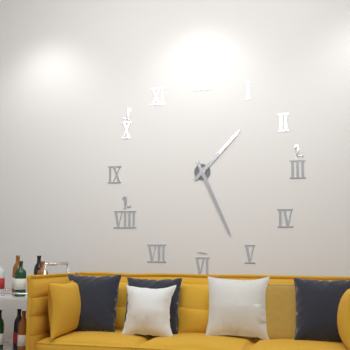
1:26
